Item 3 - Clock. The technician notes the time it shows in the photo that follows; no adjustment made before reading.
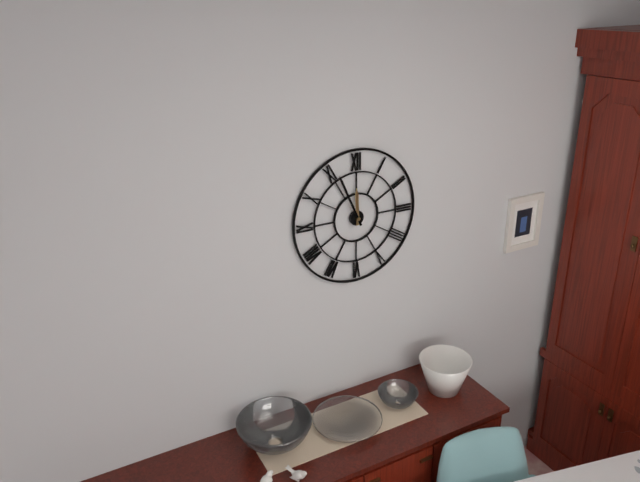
11:56
